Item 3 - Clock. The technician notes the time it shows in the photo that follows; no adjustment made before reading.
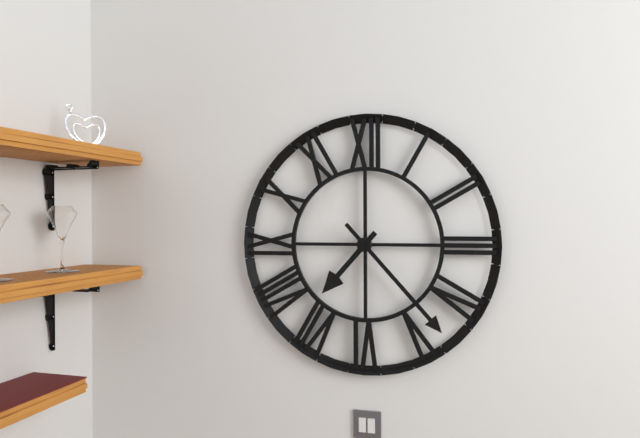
7:23
